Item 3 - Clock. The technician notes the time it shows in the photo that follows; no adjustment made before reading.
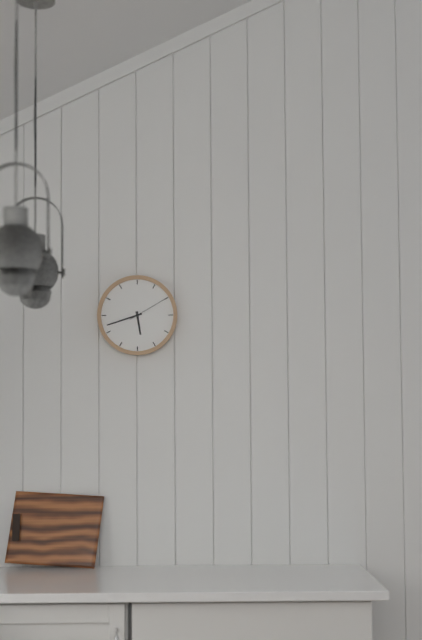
5:42
